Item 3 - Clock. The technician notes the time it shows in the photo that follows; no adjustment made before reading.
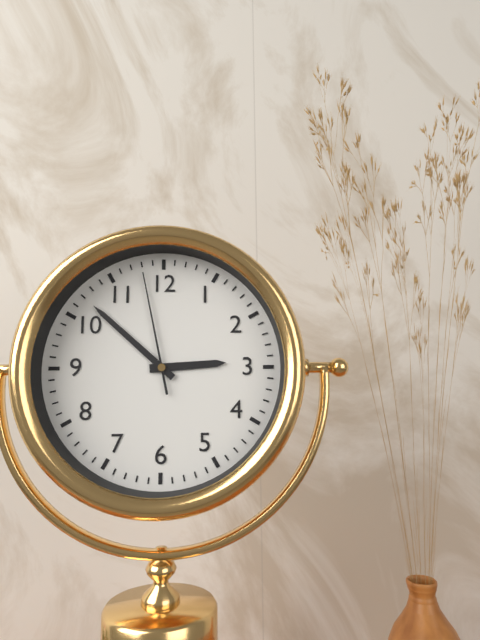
2:52:58
